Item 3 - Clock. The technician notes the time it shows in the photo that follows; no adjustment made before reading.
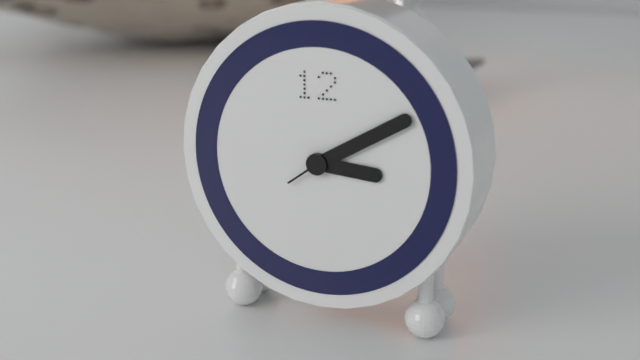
3:10:39
